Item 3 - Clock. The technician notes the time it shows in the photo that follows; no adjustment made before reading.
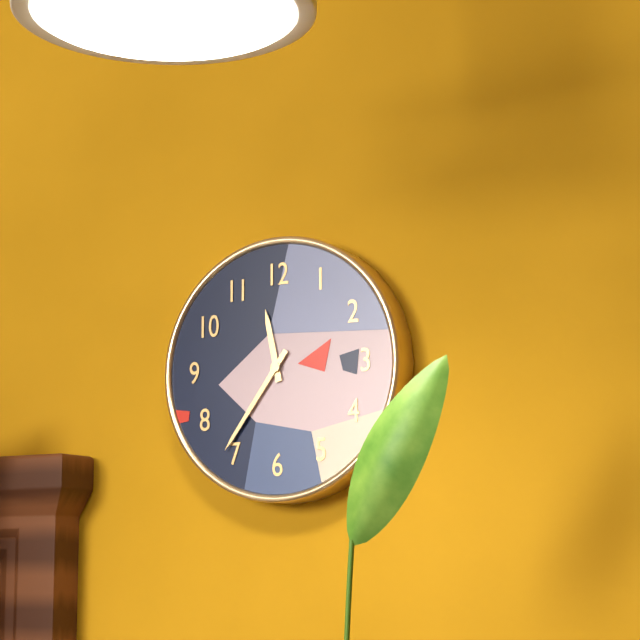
11:36
